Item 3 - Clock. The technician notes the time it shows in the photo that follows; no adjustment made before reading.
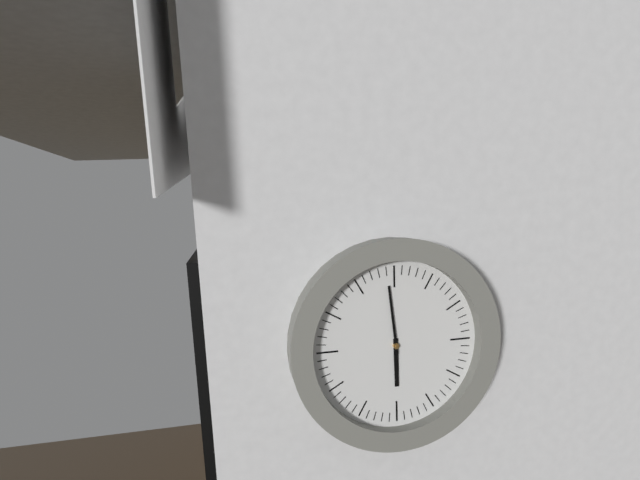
5:59
